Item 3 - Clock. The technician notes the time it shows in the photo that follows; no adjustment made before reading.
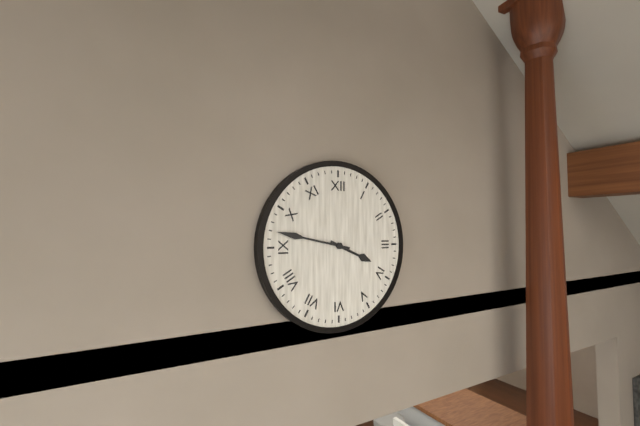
3:47
